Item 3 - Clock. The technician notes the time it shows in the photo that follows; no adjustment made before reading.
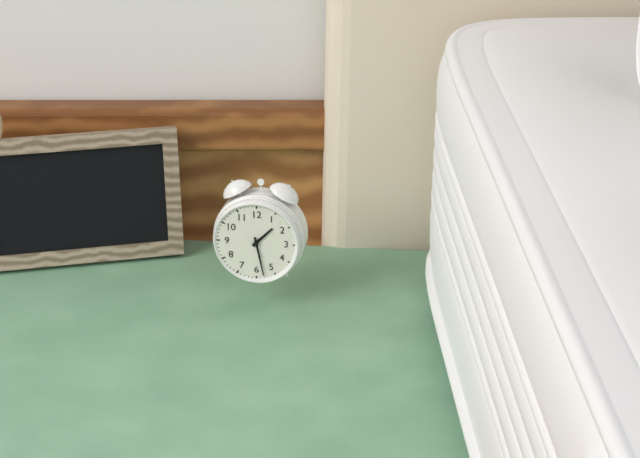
1:28
